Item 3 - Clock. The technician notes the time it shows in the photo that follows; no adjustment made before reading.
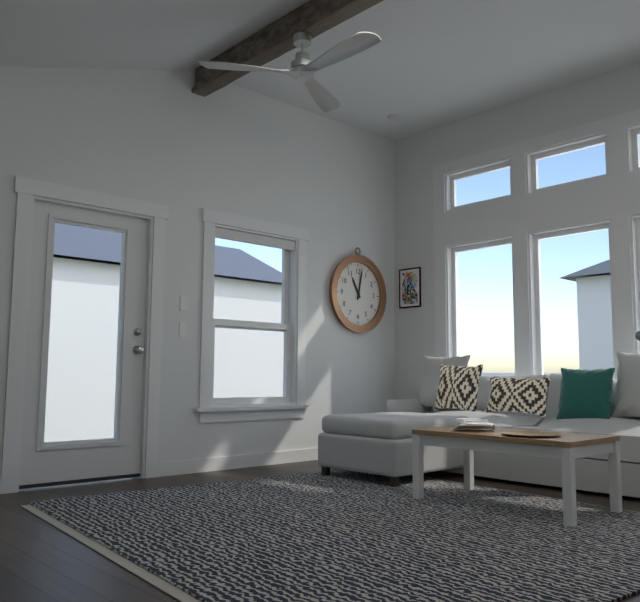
11:02
